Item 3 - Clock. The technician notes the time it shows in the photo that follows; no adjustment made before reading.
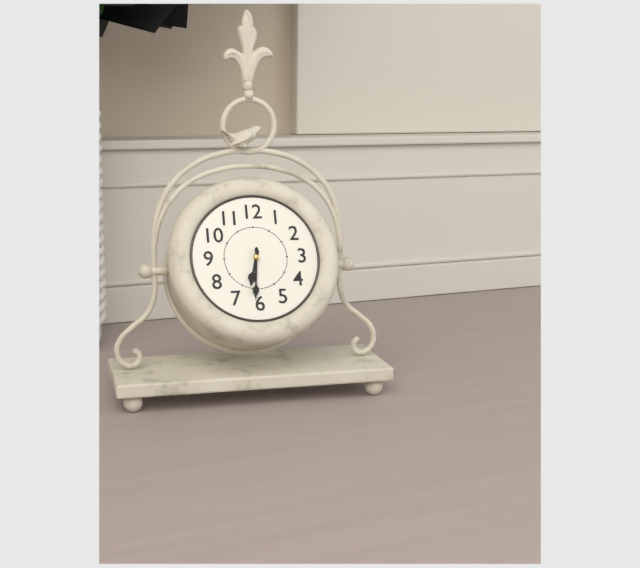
6:31
